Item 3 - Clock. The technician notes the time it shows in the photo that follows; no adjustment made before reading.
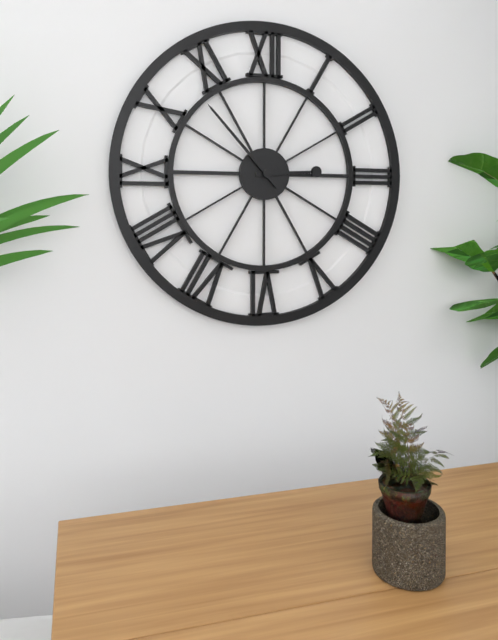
2:53
